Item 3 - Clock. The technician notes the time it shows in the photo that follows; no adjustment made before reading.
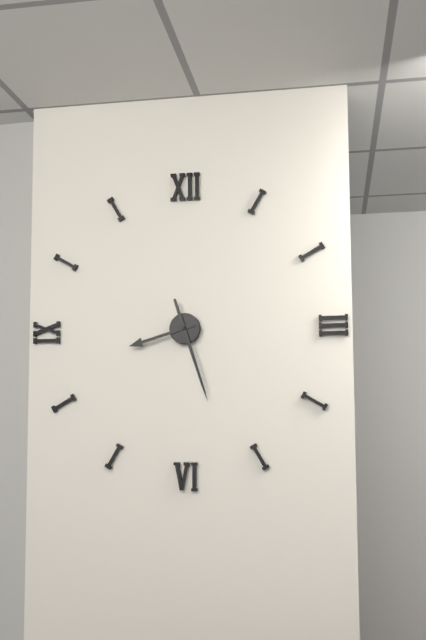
8:27
